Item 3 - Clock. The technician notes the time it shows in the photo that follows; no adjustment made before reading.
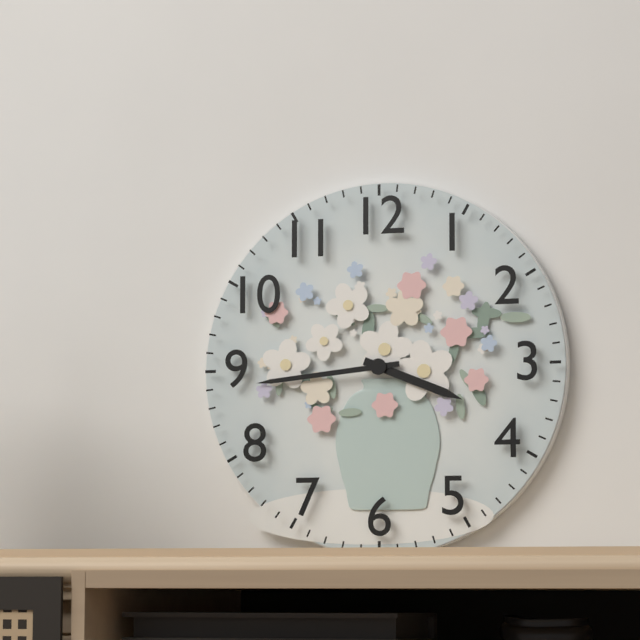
3:44
